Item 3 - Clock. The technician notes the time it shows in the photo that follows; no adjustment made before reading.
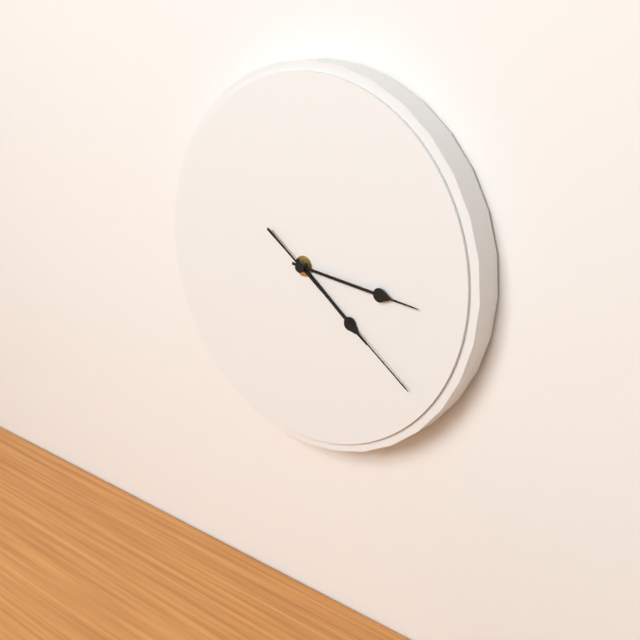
4:16:21
